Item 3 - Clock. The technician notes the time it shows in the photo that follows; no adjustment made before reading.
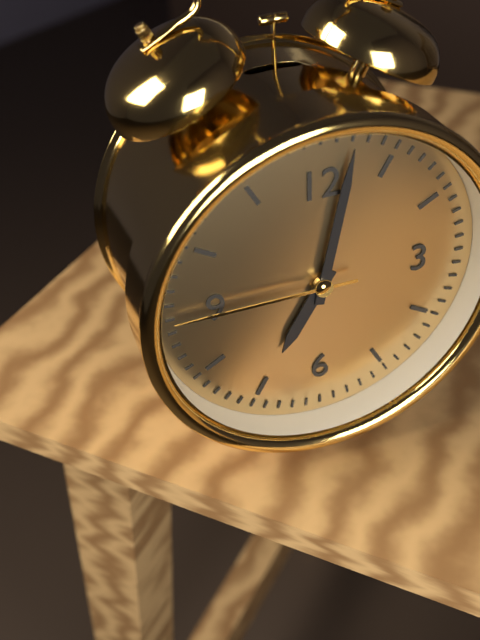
7:02:45
